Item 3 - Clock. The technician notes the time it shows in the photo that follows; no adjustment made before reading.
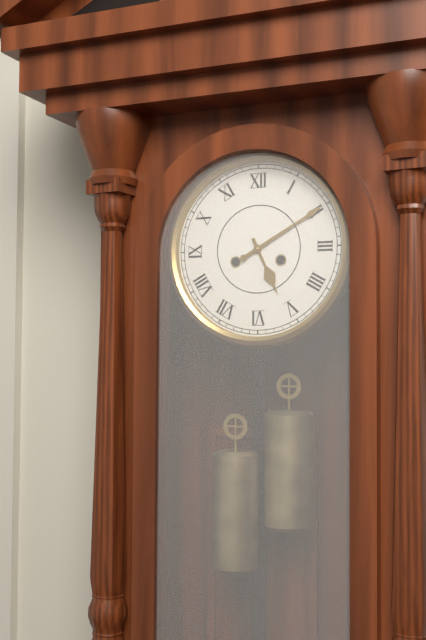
5:10
